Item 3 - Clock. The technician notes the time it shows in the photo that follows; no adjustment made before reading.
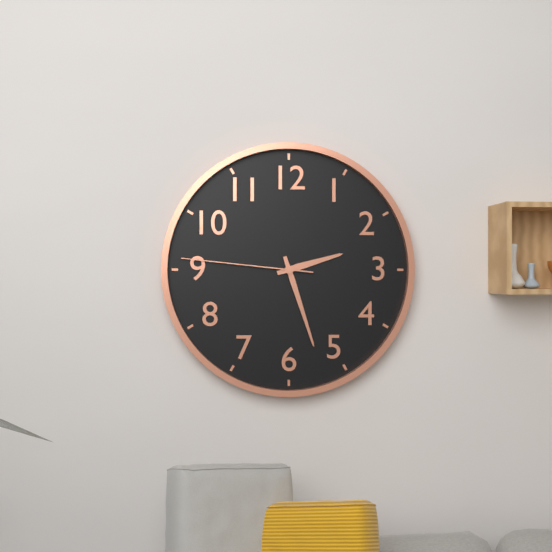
2:27:46
